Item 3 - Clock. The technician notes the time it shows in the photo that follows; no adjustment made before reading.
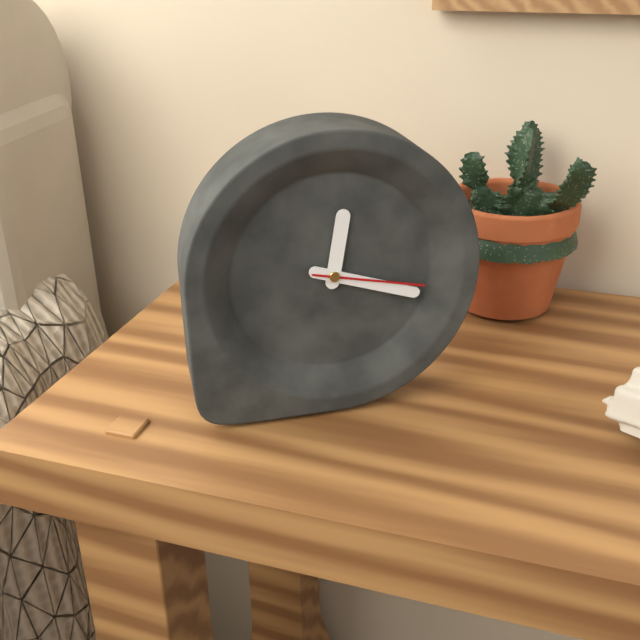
12:18:17
